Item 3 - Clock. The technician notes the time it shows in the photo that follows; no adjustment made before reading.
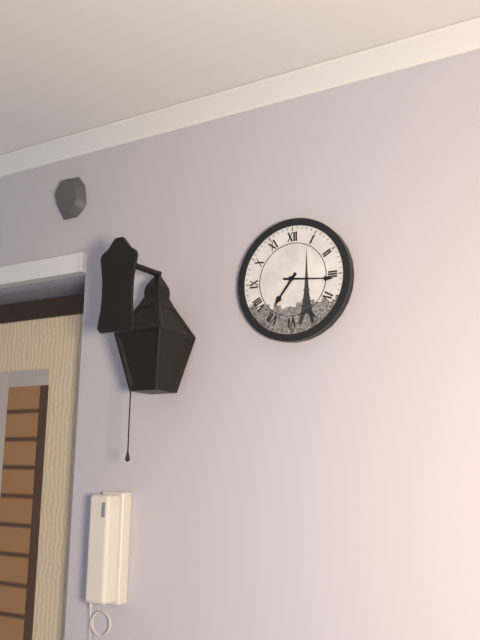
7:16
